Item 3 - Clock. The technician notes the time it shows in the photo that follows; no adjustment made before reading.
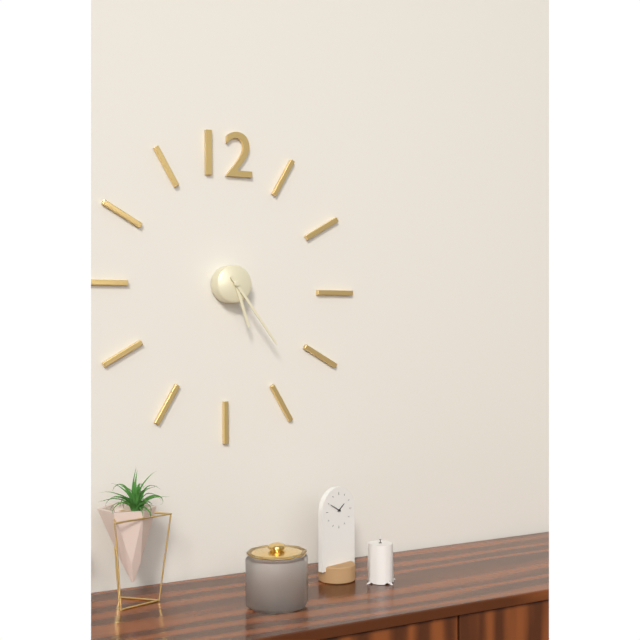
5:24
